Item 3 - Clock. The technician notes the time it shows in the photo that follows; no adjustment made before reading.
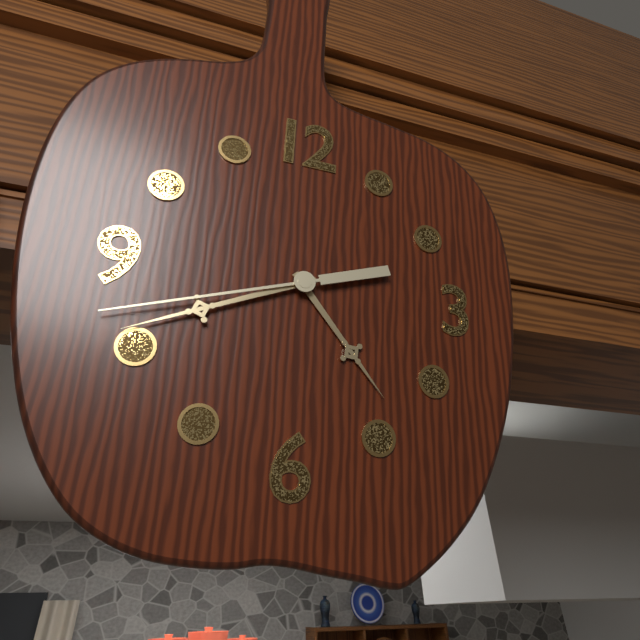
4:41:42
